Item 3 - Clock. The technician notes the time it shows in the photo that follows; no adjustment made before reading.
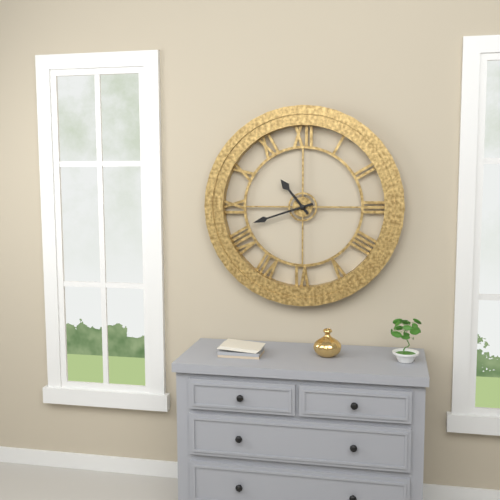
10:42
